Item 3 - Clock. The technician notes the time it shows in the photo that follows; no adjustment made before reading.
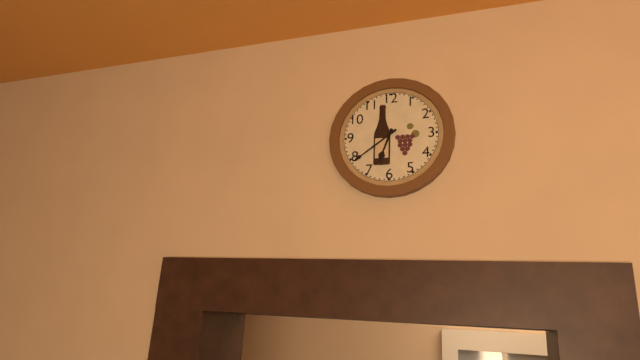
6:39
